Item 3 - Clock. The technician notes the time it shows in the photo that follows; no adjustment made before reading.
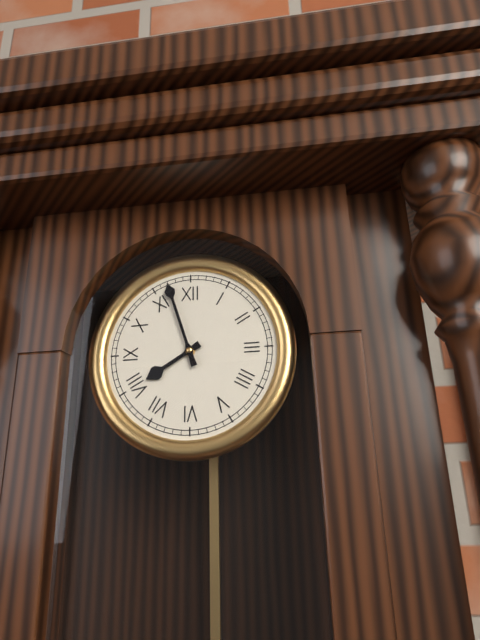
7:57
